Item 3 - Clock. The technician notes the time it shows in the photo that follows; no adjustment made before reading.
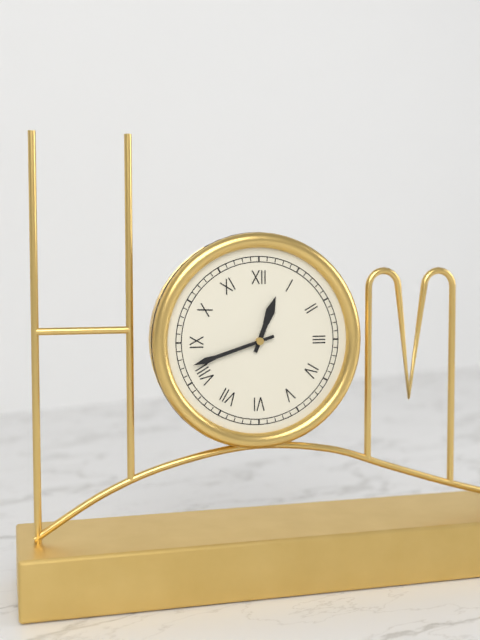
12:42
